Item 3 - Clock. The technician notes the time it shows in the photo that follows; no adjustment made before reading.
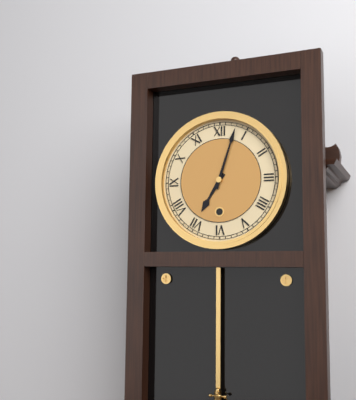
7:03
